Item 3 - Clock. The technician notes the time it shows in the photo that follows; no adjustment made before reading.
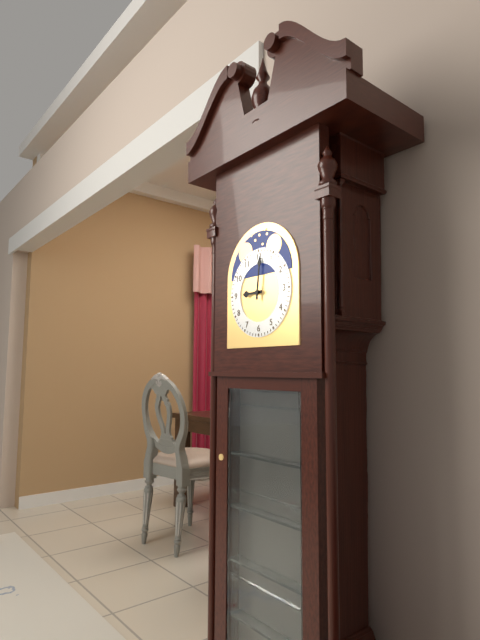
9:01
